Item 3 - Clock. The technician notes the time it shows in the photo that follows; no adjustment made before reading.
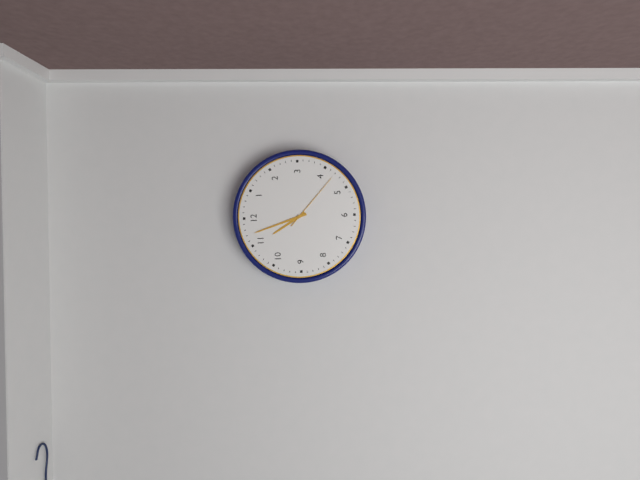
10:57:22
